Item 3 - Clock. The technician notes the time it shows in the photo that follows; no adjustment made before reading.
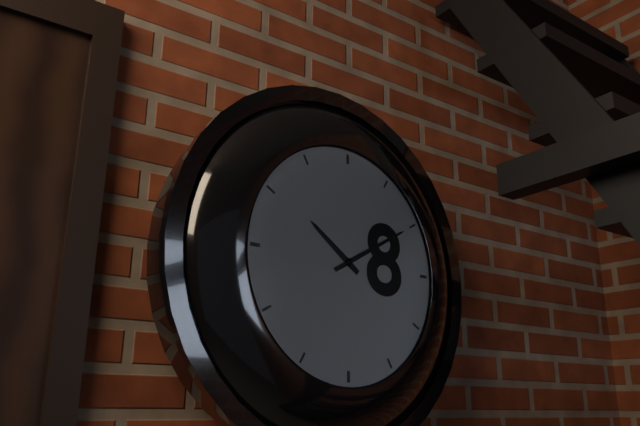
10:10
